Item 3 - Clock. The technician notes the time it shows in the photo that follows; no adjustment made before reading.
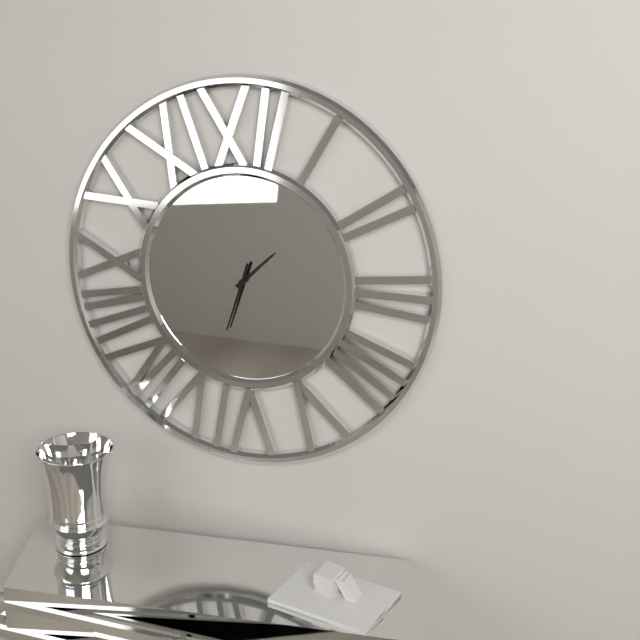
1:33
